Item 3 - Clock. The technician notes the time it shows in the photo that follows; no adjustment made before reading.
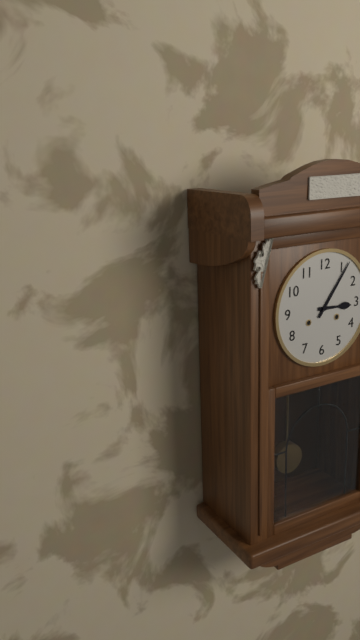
3:06
